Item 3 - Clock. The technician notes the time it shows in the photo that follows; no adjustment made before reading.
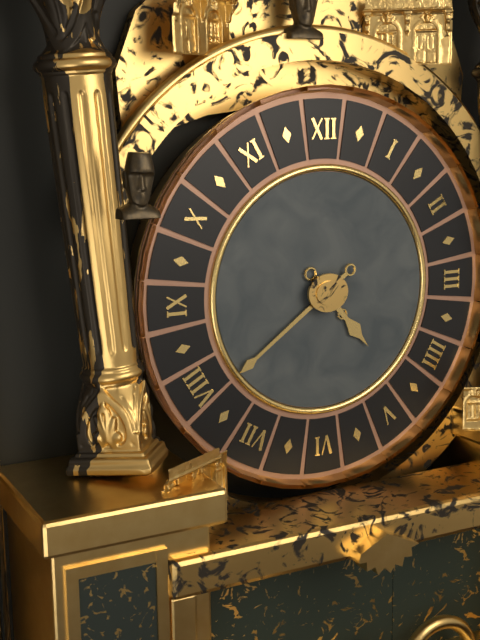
4:39
